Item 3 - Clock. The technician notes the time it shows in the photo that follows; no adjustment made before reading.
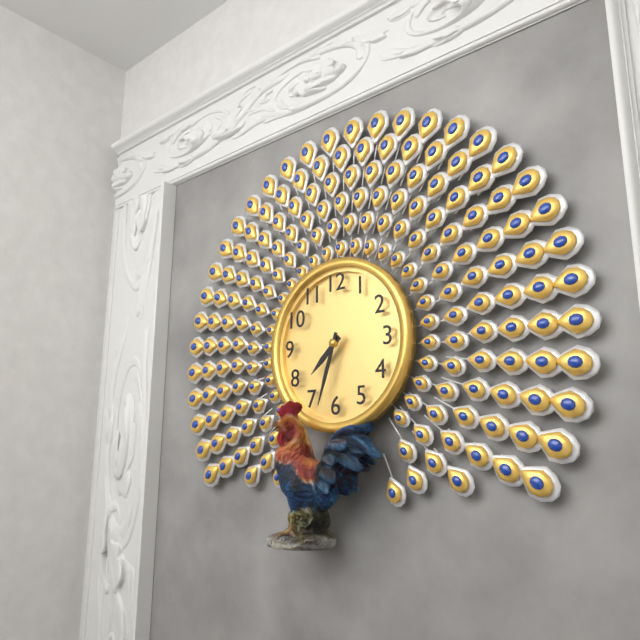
7:33
